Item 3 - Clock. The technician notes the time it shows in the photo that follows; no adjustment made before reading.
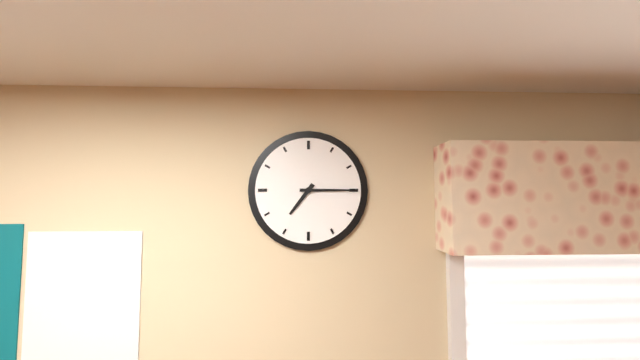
7:15
